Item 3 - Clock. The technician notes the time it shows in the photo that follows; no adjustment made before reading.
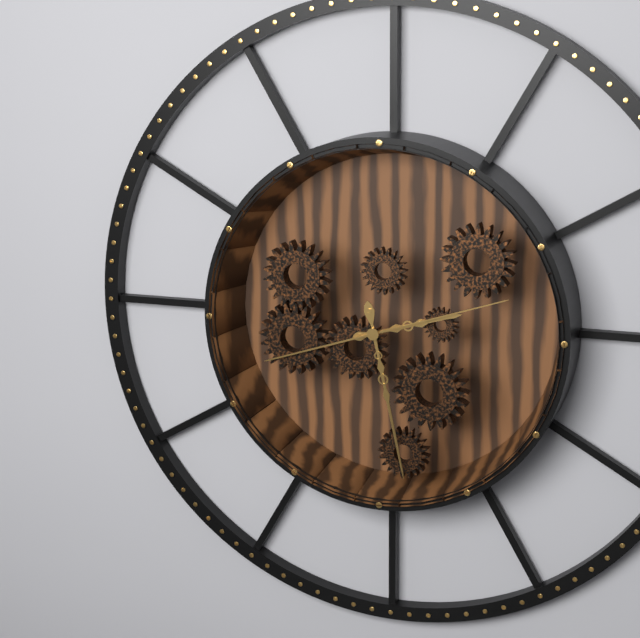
2:28:12
